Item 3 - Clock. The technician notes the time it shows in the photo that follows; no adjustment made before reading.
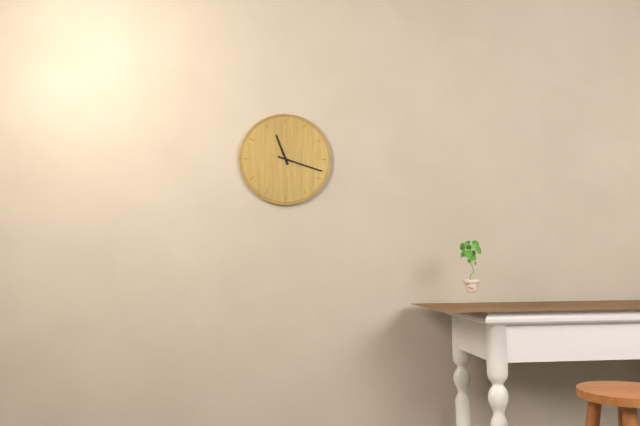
11:18
